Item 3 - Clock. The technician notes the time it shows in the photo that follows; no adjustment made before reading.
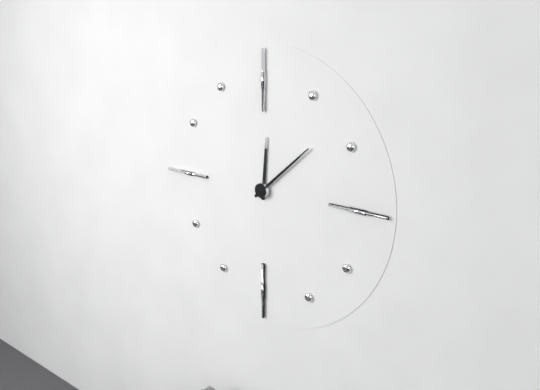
12:08
